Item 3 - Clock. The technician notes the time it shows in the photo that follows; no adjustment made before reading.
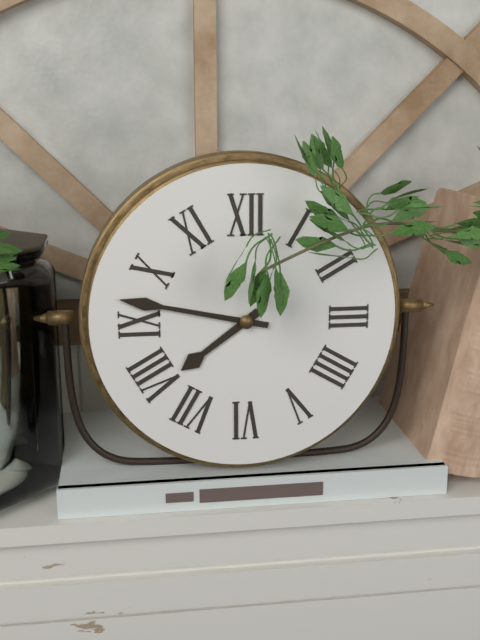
7:47
